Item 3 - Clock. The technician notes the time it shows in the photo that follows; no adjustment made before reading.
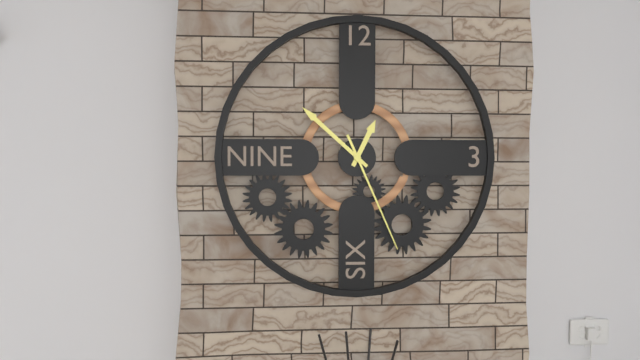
12:52:26
